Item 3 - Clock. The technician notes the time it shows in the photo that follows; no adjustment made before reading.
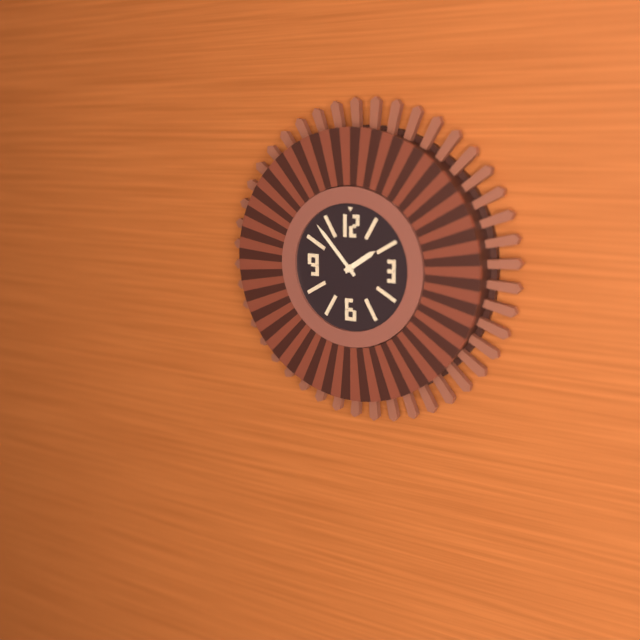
1:53
